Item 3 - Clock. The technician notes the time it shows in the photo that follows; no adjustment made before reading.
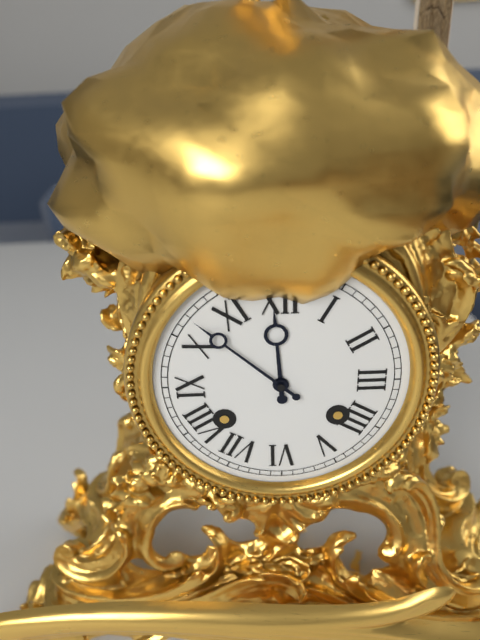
11:52
